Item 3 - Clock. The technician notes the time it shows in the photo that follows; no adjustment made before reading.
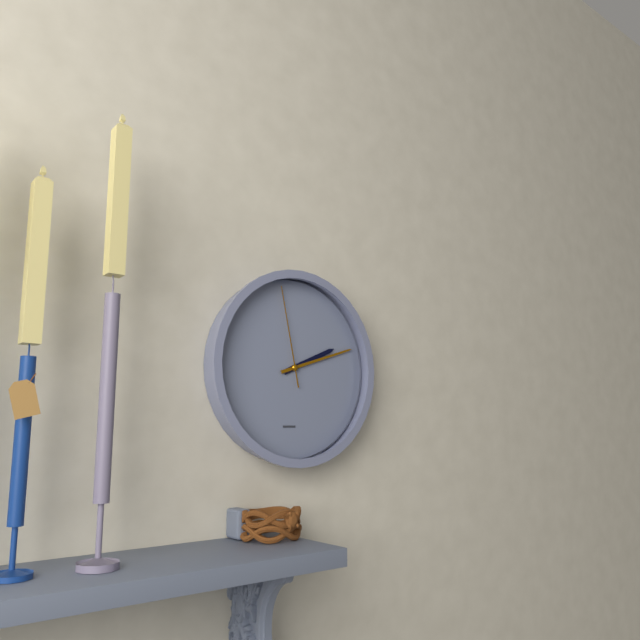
2:12:58
